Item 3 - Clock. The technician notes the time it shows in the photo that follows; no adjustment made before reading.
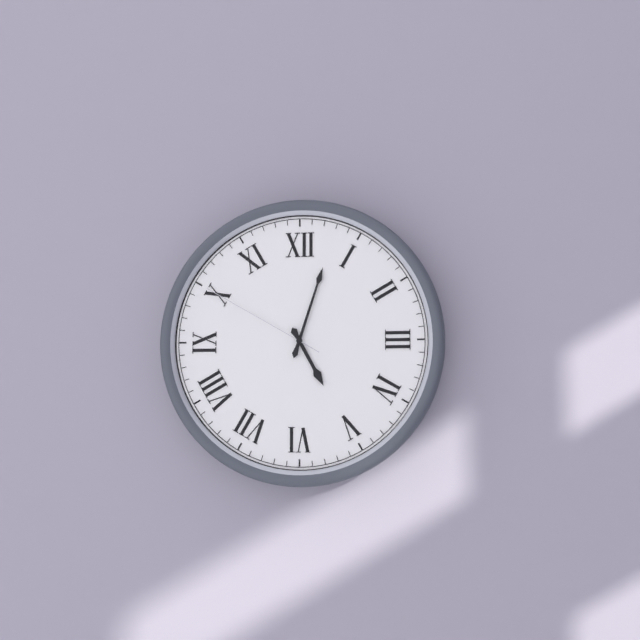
5:03:50
